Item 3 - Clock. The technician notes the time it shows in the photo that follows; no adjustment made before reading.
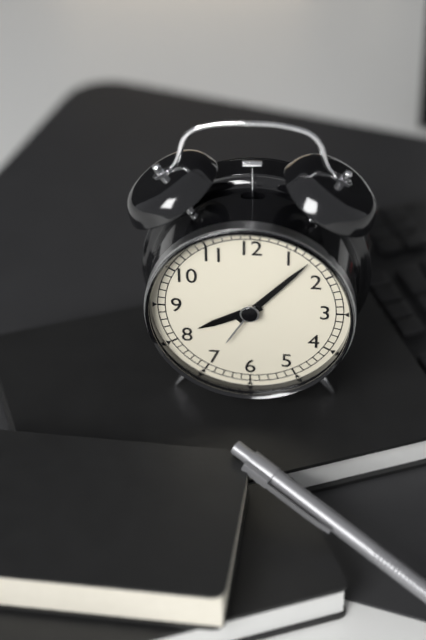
8:07
